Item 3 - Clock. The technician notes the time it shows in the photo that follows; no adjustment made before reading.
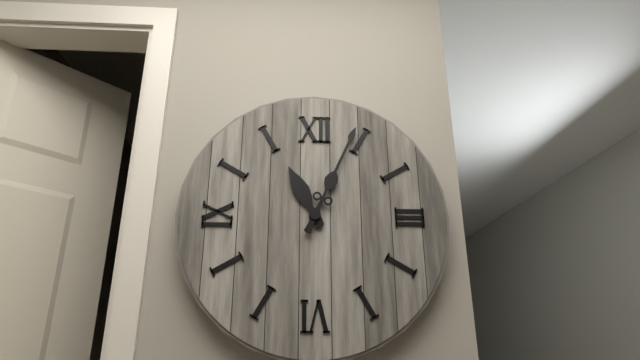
11:04
